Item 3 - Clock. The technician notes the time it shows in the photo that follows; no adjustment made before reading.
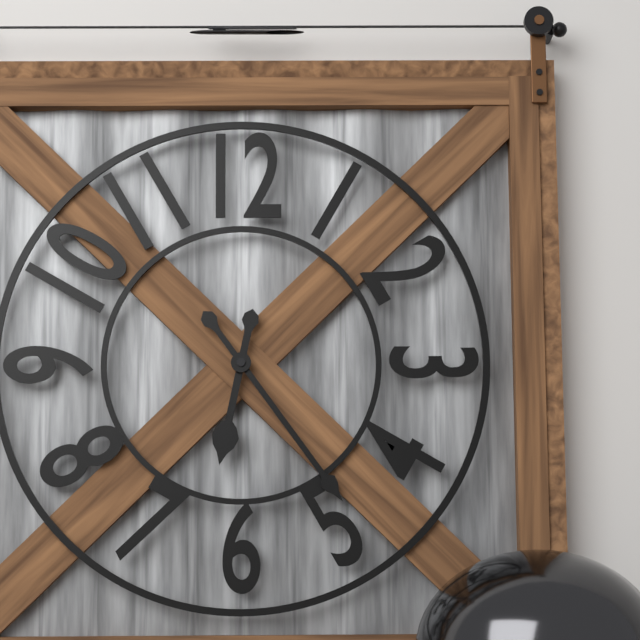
6:24
